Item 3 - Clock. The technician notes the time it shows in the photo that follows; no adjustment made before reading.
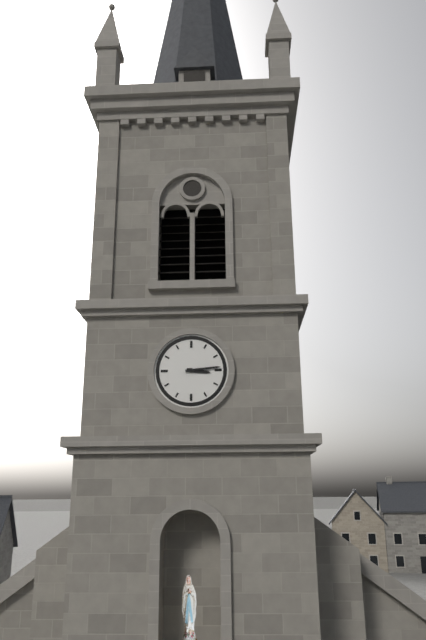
3:14
